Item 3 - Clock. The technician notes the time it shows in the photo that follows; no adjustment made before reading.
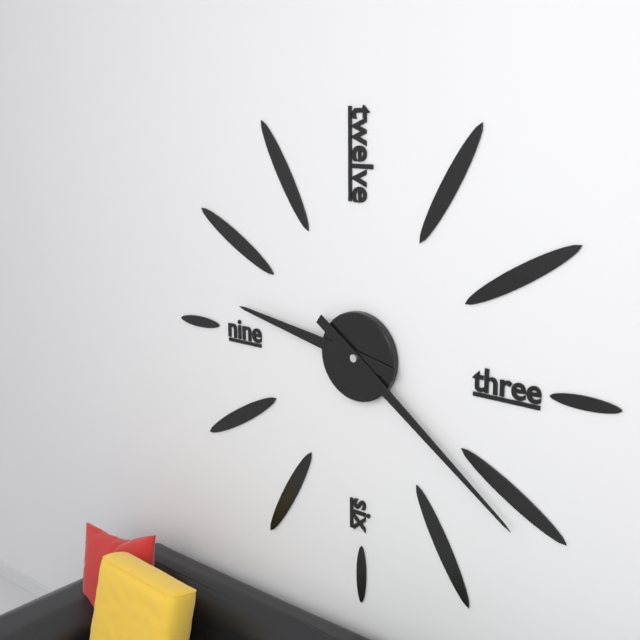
9:21
